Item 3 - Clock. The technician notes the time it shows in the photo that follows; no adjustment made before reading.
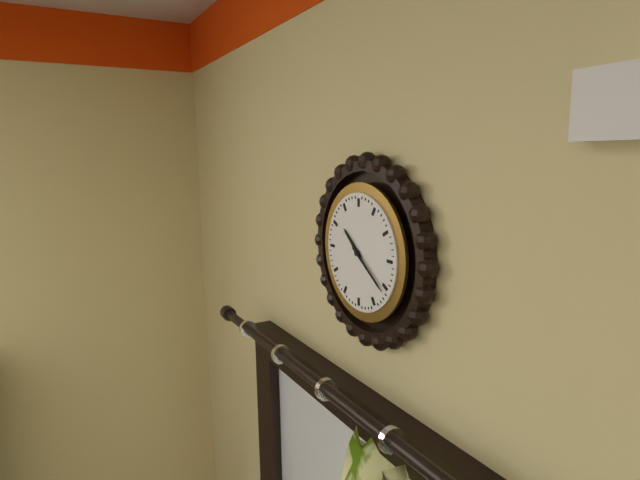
10:21
